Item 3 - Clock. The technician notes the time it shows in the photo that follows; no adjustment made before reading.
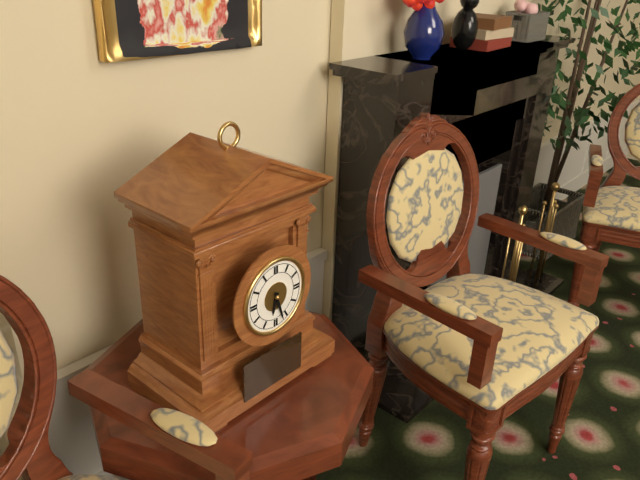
6:27
